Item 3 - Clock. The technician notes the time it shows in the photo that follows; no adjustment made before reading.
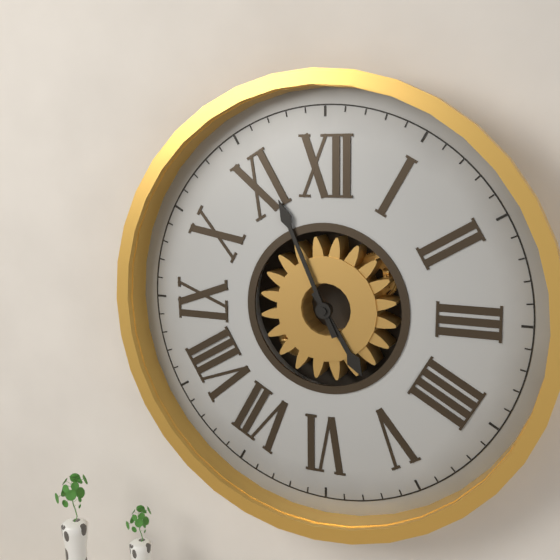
4:56
